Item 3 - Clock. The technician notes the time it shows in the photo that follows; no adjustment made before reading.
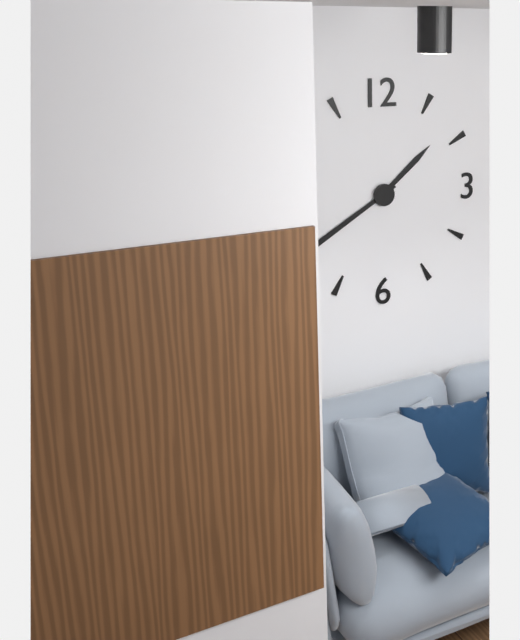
1:40
